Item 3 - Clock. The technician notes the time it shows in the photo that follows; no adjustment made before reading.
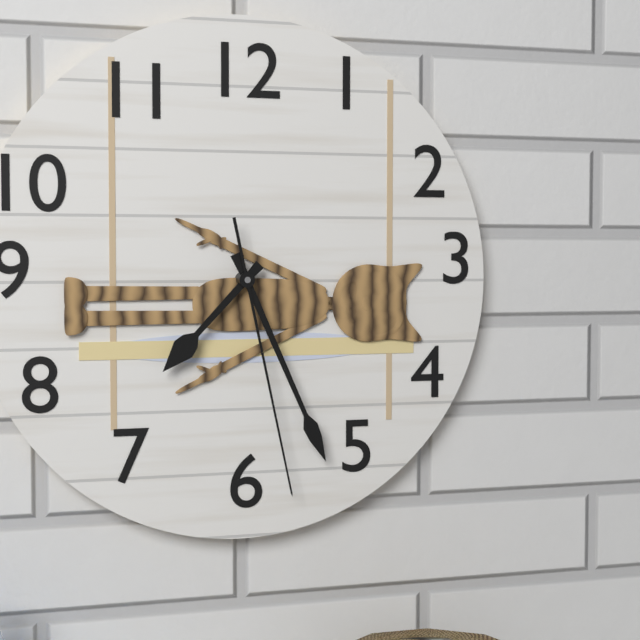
7:26:28
